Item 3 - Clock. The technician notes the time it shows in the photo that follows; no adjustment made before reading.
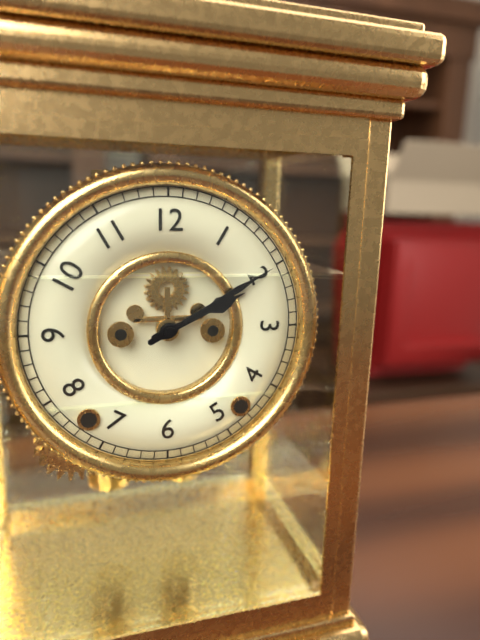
2:10
